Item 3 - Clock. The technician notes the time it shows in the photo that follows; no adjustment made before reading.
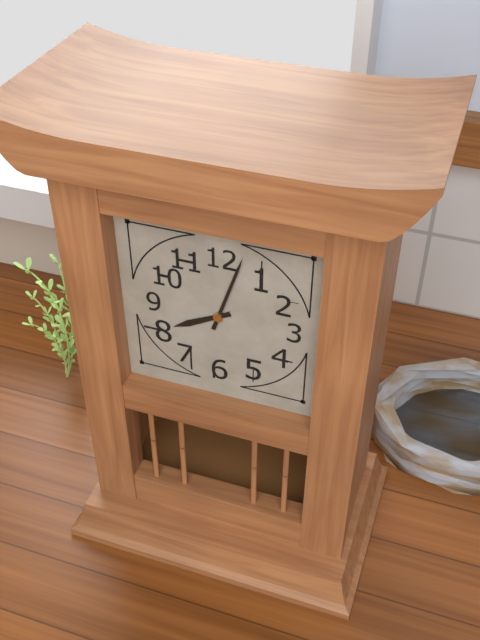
8:03
